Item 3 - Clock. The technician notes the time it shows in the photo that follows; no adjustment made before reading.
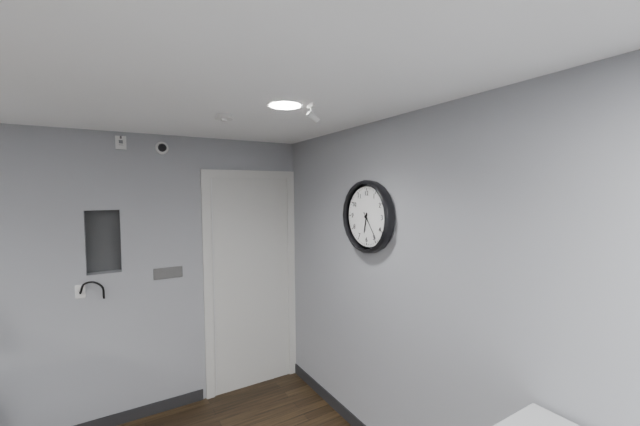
6:24
